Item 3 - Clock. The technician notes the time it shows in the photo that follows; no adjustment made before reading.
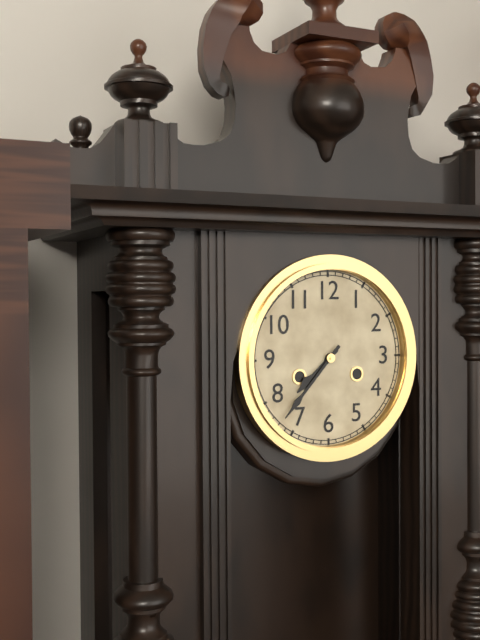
7:37
